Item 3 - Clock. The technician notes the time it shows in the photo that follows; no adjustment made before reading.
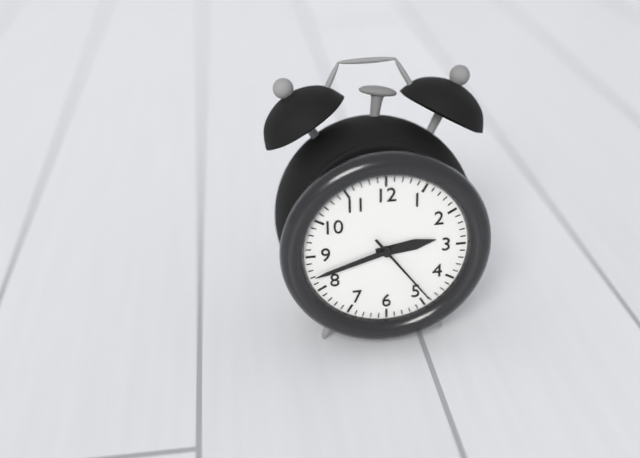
2:42:24
